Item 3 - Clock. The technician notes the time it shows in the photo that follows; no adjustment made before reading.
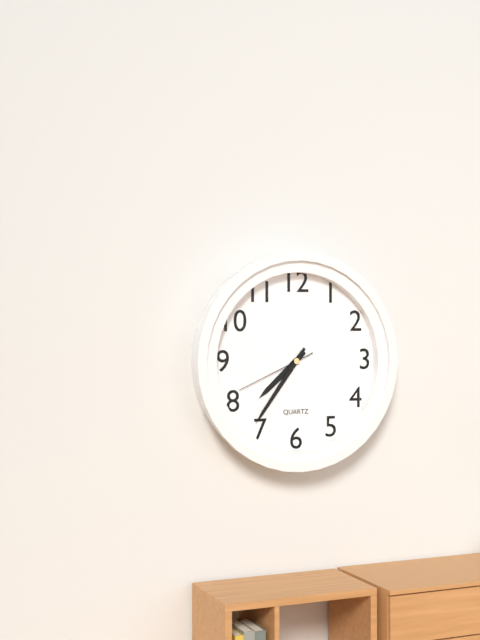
7:36:41
